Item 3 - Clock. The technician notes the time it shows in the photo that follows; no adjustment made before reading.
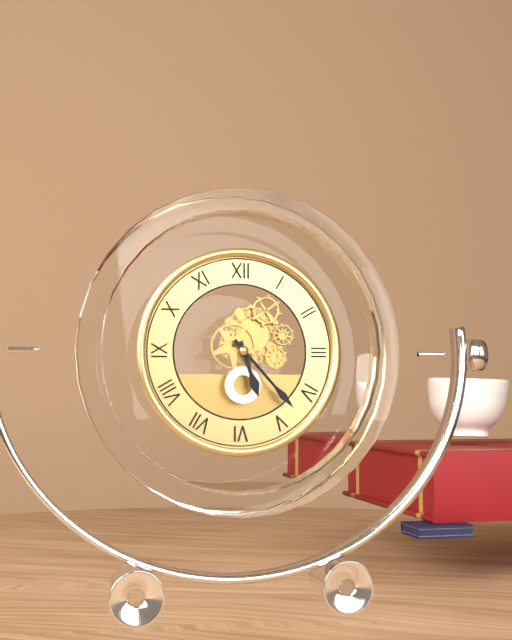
5:23
